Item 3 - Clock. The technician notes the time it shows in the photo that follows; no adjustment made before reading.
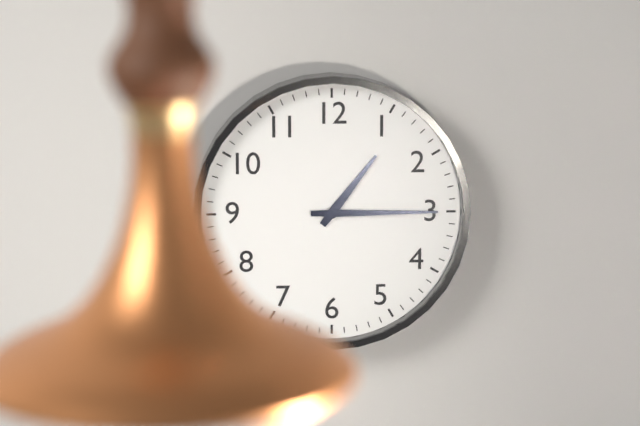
1:15
